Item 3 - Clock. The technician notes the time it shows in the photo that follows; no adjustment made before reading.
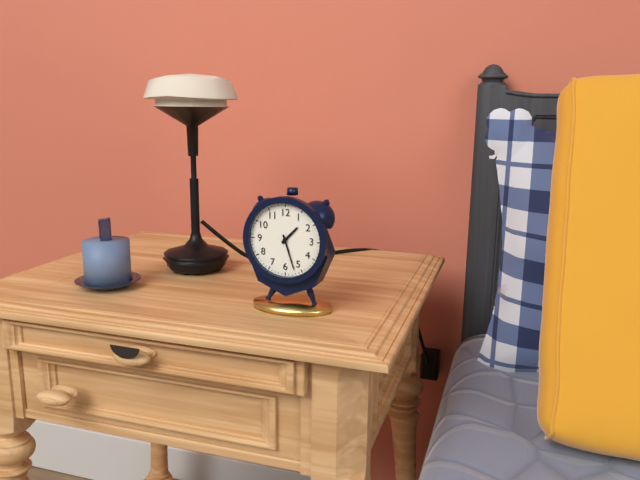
1:27
